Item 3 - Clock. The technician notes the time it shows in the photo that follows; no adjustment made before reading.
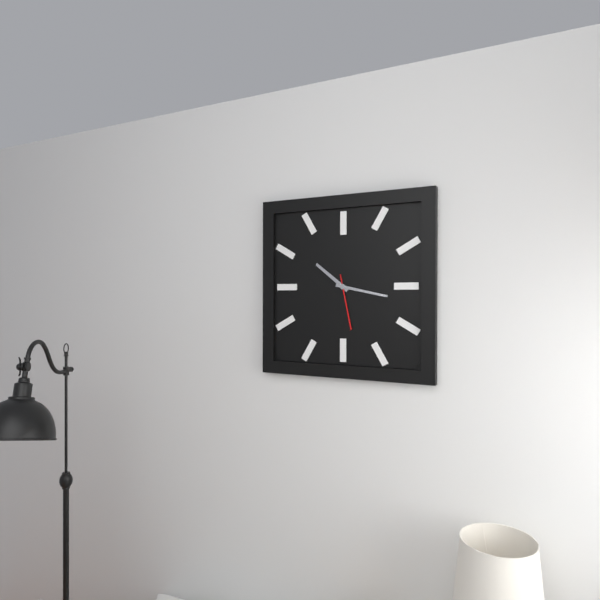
10:17:28
